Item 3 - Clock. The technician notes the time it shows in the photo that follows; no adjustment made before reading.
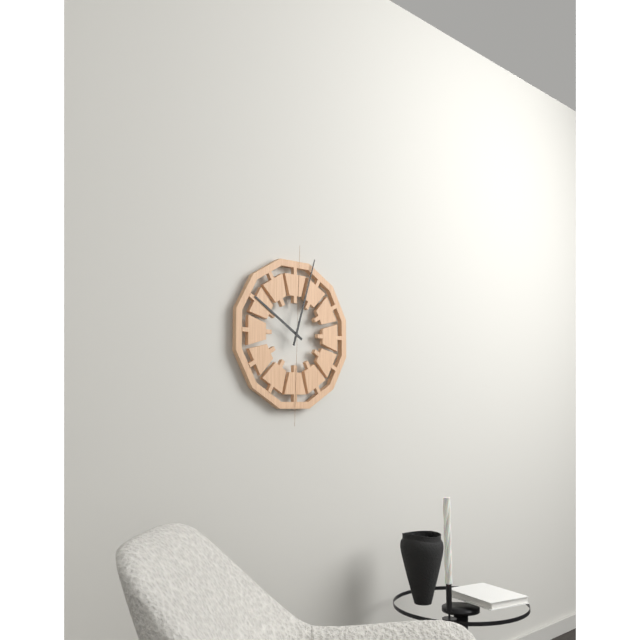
10:03
